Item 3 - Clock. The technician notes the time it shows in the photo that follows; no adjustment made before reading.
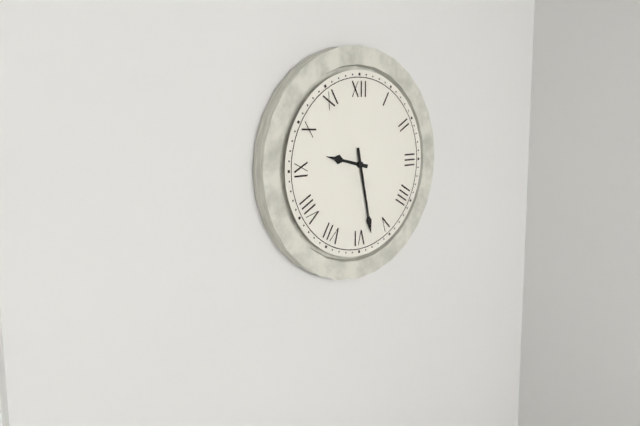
9:28
